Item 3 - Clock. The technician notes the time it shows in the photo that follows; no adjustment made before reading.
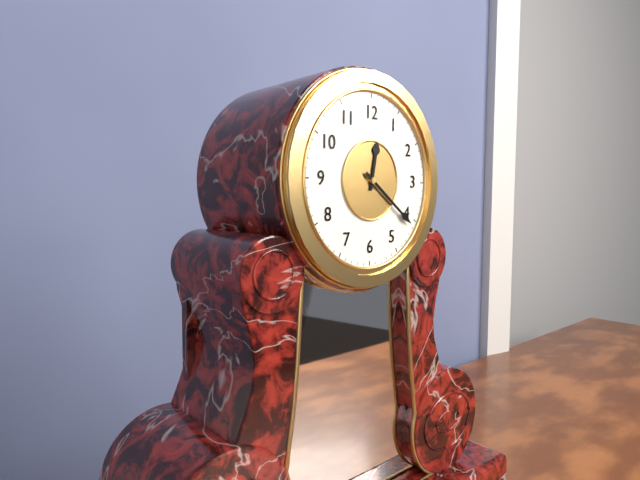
12:21
